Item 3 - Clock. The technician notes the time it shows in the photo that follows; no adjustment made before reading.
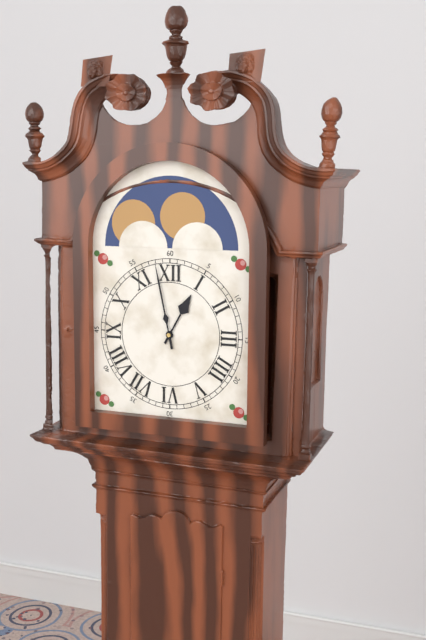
12:58
